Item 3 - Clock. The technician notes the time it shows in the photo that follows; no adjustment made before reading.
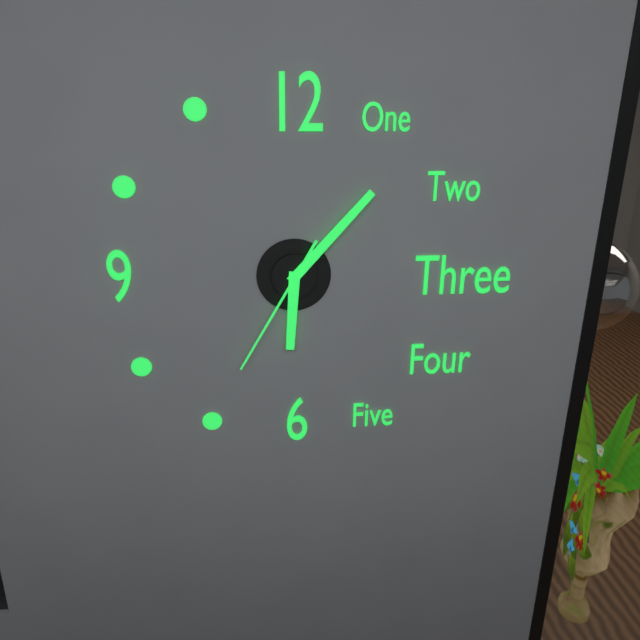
6:07:35
